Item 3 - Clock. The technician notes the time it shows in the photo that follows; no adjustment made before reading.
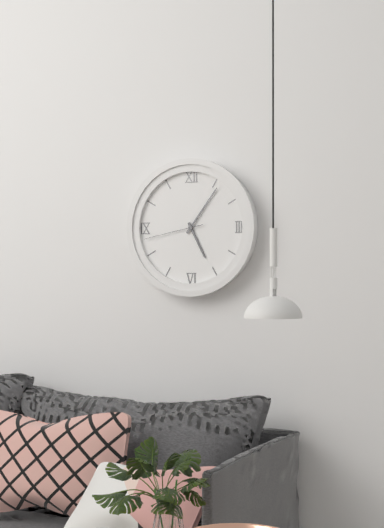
5:06:43
